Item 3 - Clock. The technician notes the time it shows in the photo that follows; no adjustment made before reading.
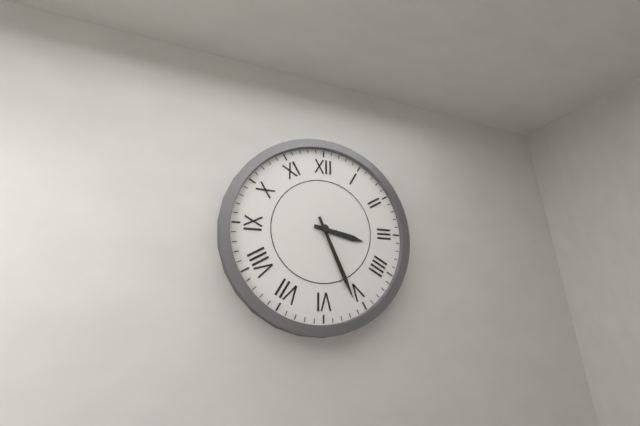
3:26
